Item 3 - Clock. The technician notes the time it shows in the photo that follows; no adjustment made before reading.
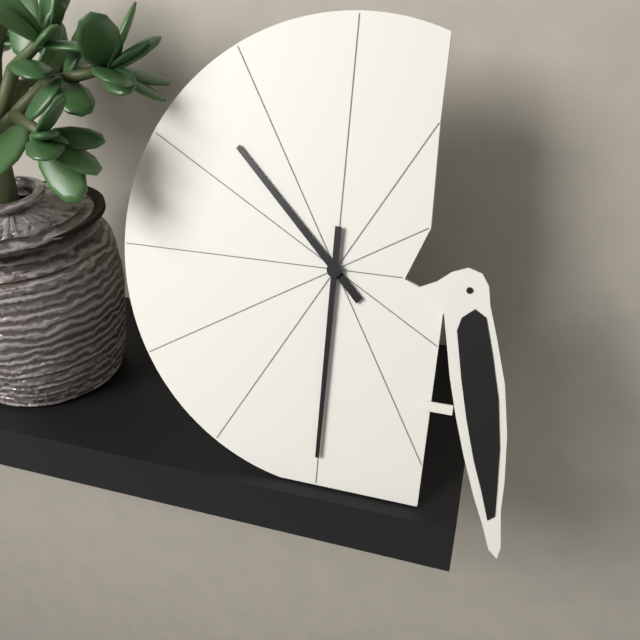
10:30
